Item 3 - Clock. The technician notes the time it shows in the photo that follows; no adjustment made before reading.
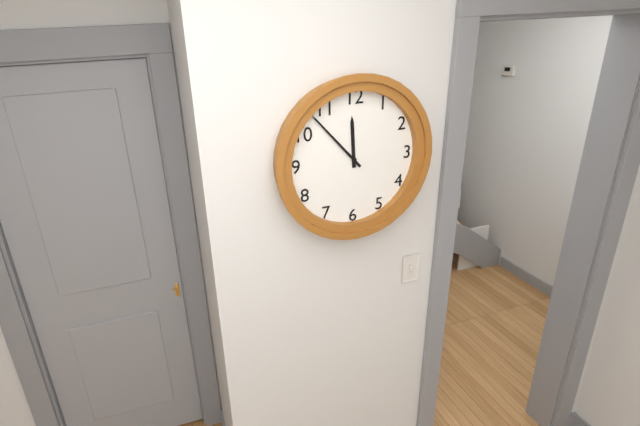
11:53
